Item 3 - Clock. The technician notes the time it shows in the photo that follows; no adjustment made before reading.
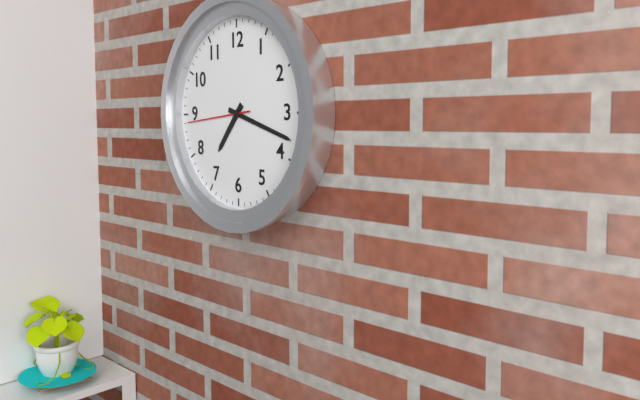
7:18:44
